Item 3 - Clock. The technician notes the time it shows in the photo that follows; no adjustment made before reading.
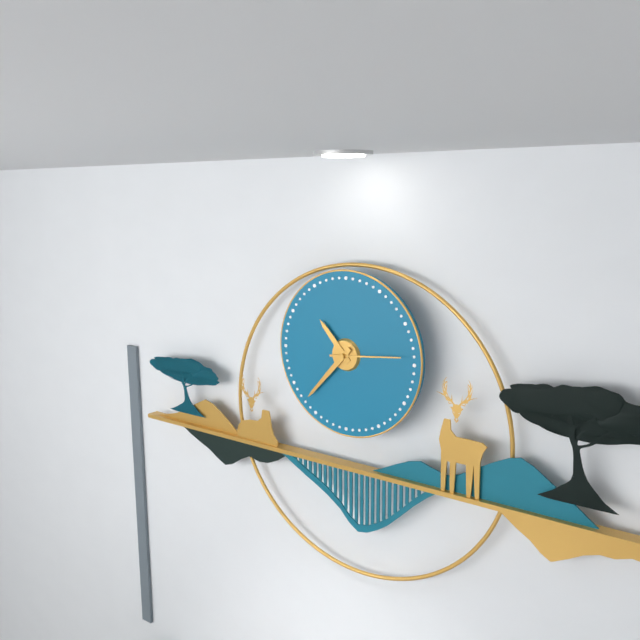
10:37:14
